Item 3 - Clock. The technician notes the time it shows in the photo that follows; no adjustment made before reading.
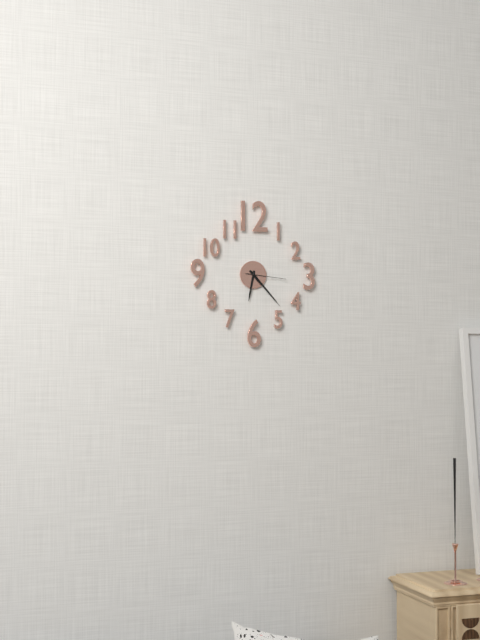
6:23
